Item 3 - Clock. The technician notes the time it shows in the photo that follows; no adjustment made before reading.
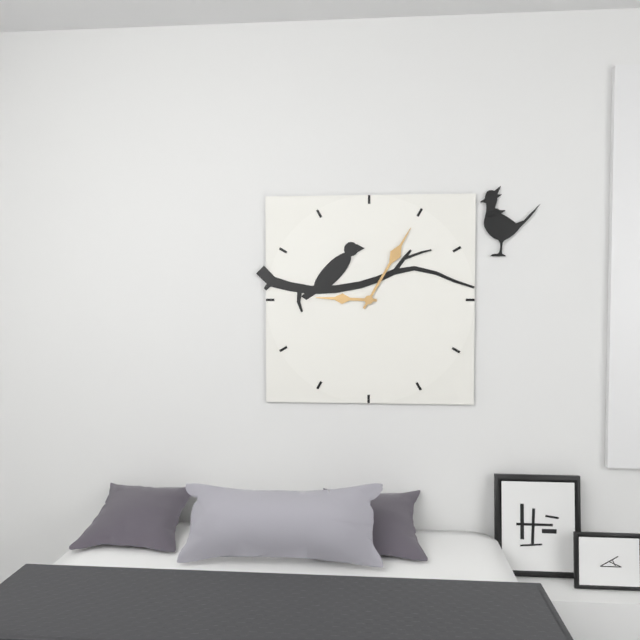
9:05
